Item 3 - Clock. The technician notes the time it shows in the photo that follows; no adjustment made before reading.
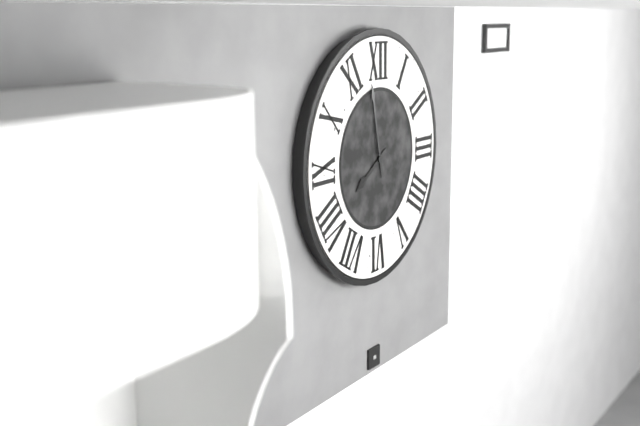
7:58
